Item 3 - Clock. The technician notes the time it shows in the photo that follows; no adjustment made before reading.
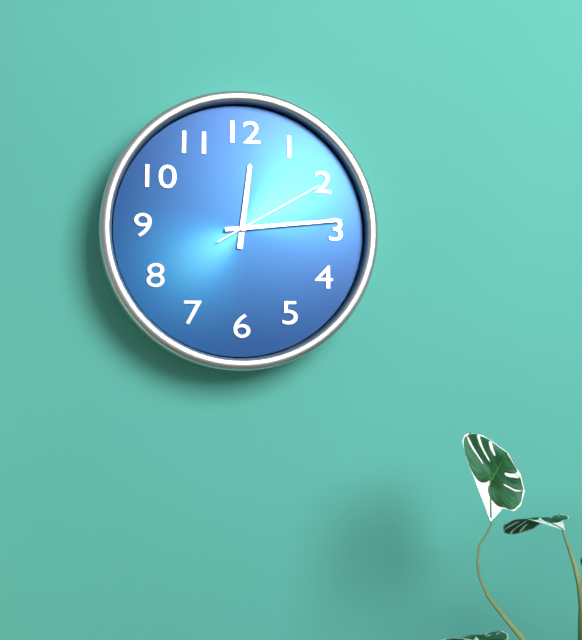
12:14:10
